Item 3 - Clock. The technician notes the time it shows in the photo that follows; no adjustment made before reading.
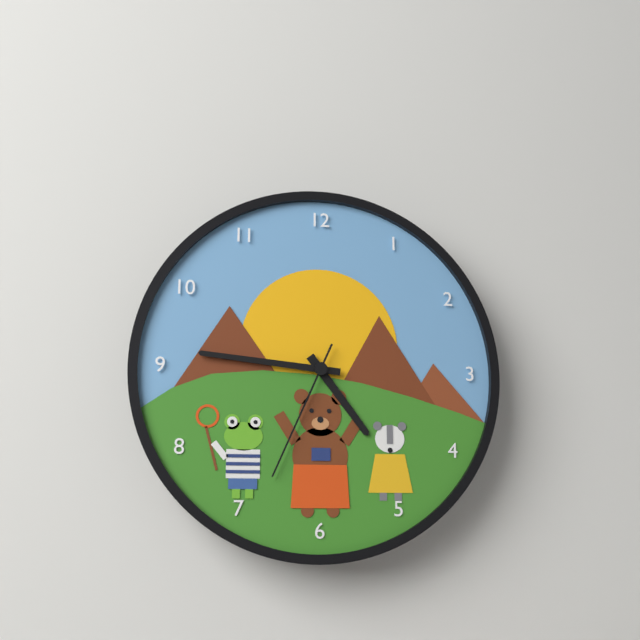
4:46:34
